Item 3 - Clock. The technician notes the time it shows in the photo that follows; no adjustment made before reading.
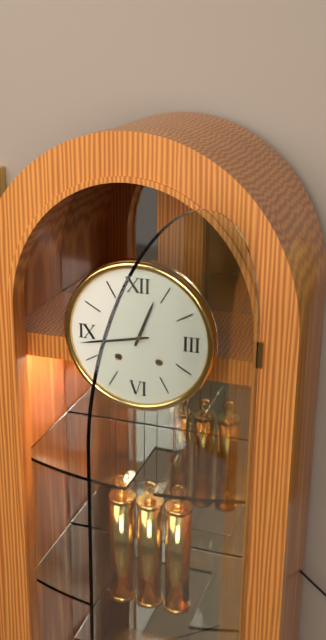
12:43
